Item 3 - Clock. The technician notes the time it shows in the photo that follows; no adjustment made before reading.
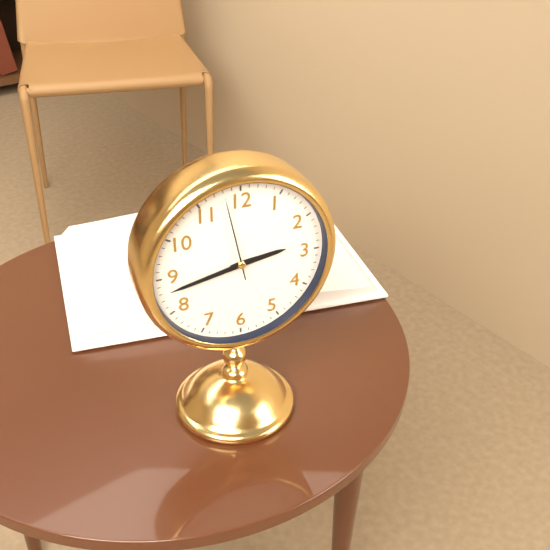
2:43:58
